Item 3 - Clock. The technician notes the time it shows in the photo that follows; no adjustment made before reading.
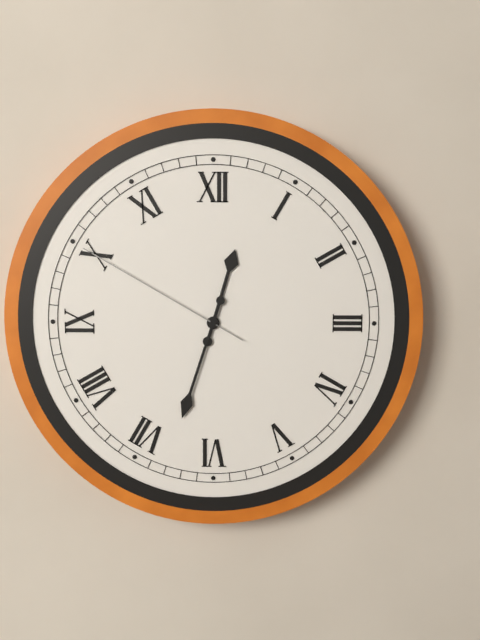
12:33:50
